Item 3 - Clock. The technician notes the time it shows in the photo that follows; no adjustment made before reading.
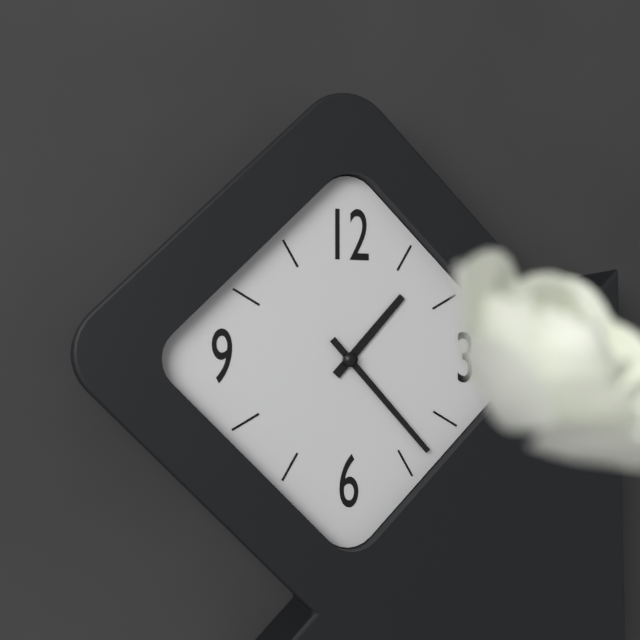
1:23
